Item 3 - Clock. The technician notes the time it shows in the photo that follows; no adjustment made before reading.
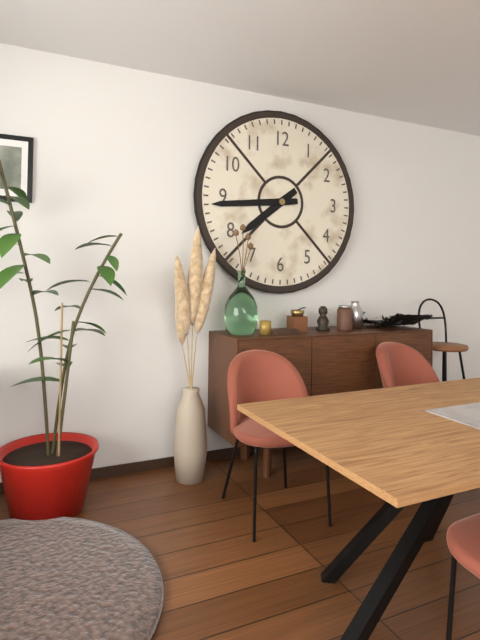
7:44
